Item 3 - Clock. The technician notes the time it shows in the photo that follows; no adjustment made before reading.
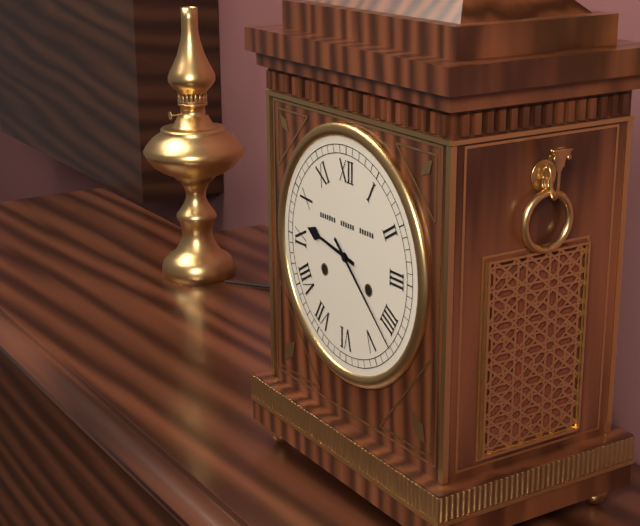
9:22
